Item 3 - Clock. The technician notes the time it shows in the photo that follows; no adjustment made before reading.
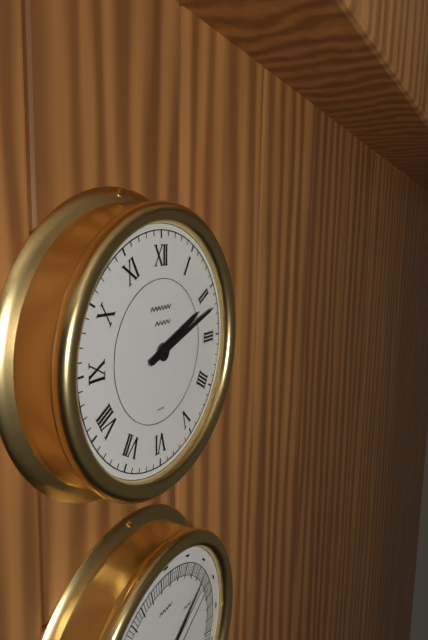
2:12
